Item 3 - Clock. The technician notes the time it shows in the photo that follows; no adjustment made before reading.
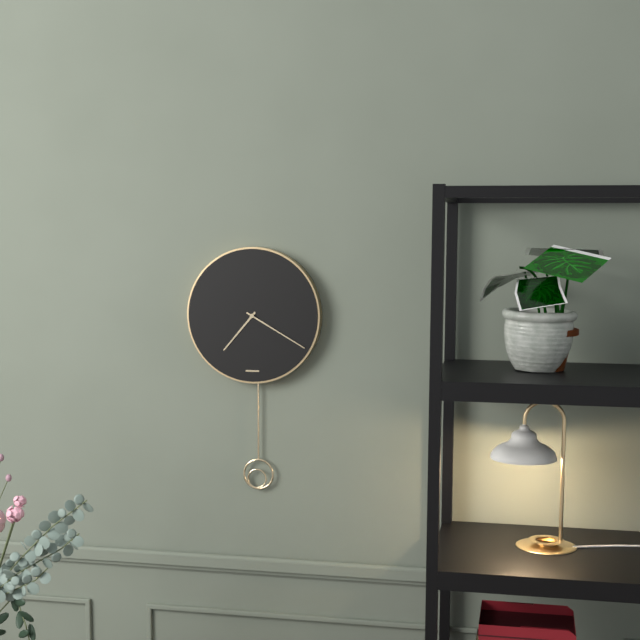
7:20
